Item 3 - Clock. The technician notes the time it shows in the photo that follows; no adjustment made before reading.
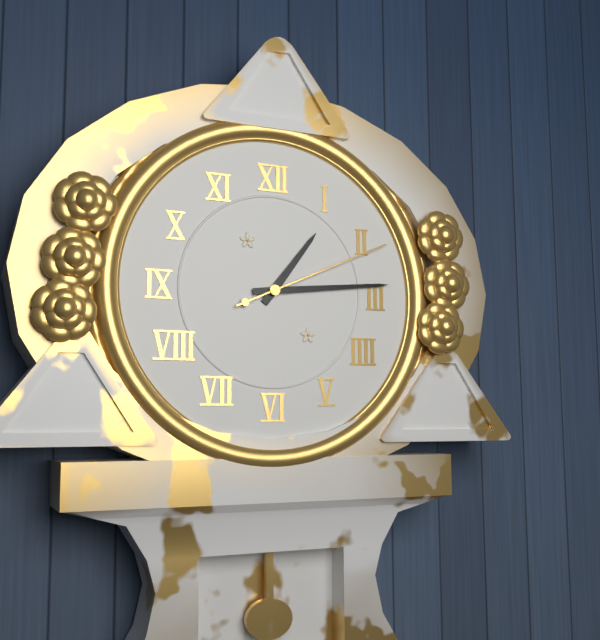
1:14:11
